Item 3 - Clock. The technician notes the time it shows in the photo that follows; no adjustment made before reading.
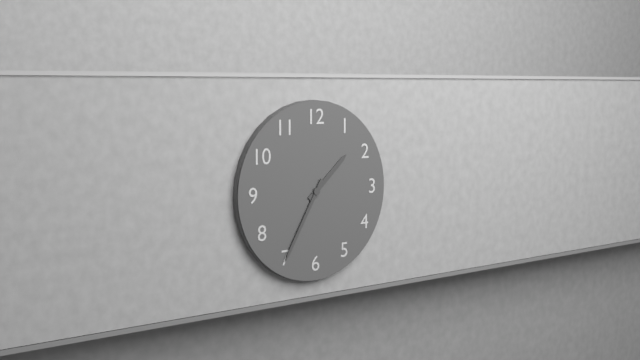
1:35
